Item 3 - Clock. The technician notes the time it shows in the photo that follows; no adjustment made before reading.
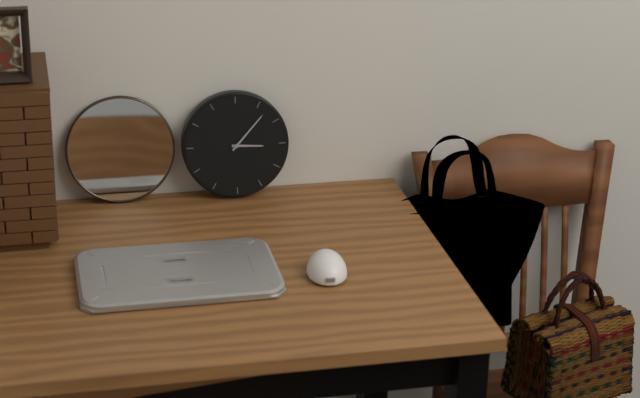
3:07
